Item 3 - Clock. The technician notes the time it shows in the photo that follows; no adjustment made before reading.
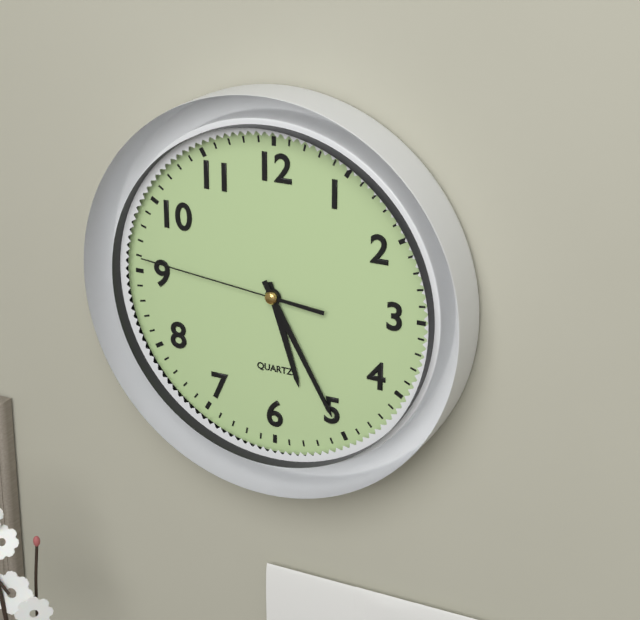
5:25:46
